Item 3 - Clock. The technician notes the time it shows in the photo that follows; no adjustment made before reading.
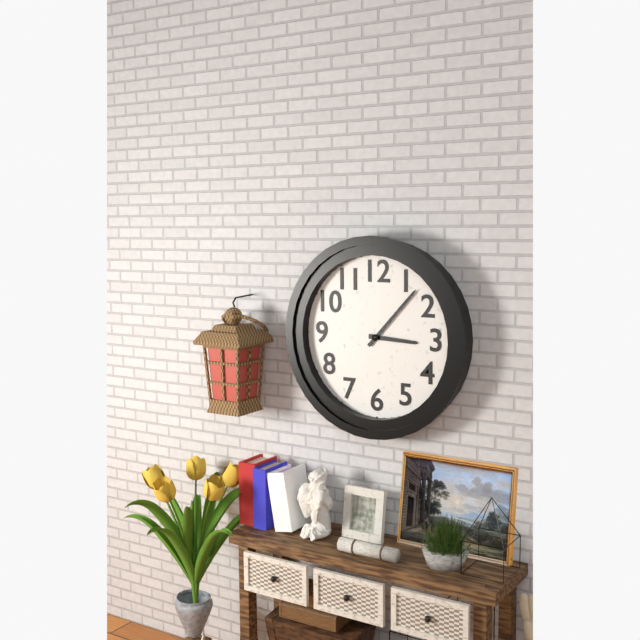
3:07
